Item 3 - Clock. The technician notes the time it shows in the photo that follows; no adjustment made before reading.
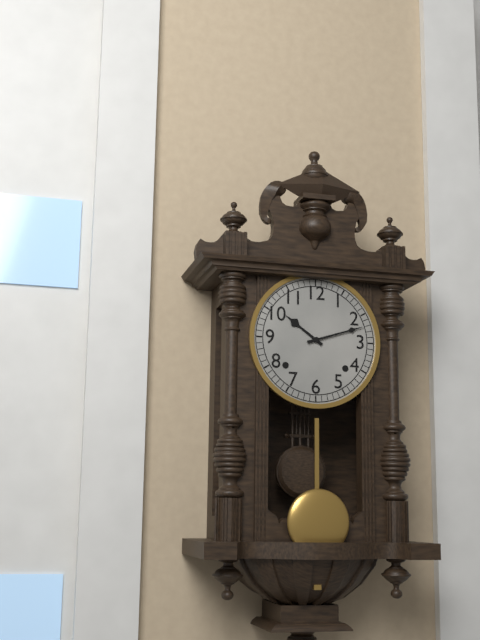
10:12
